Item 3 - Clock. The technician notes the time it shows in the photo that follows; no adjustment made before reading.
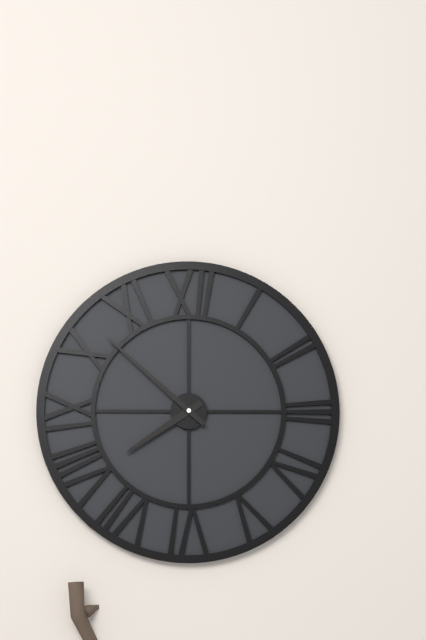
7:52
